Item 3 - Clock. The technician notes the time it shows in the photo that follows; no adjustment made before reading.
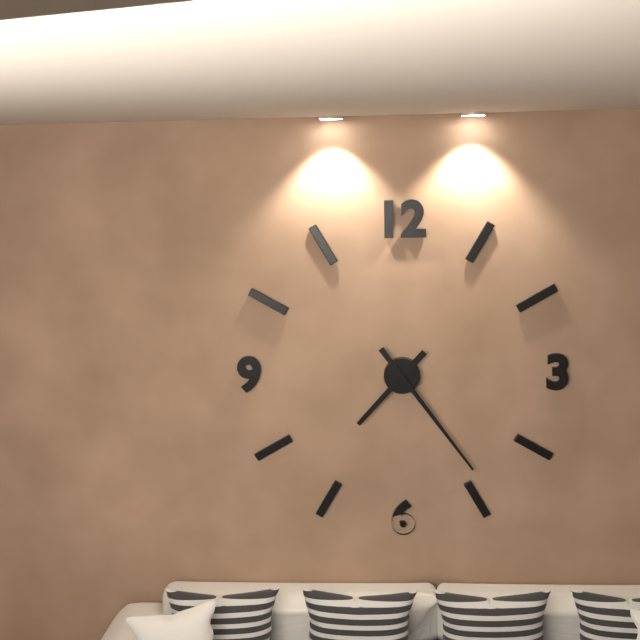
7:24
